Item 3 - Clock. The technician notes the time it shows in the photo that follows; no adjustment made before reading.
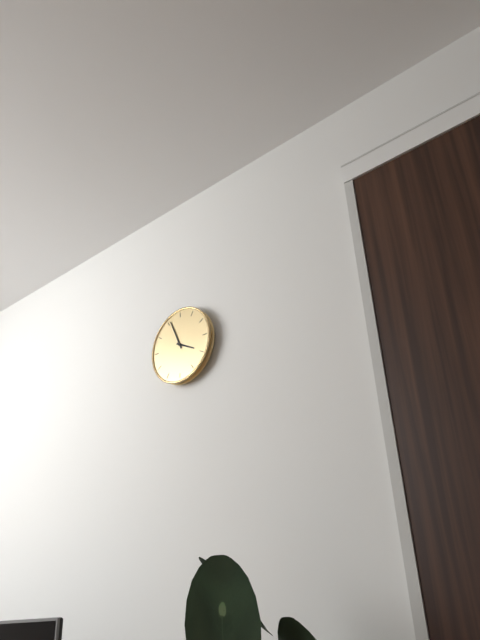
3:56
